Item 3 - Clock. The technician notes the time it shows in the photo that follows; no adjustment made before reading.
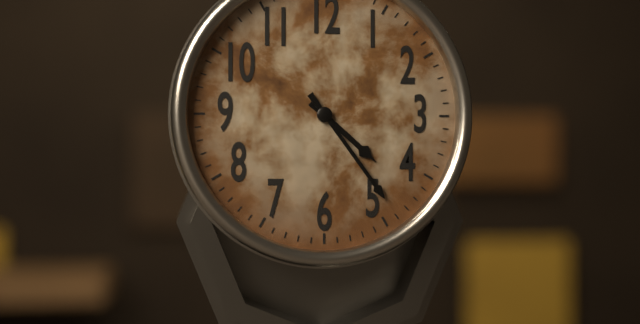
4:24
